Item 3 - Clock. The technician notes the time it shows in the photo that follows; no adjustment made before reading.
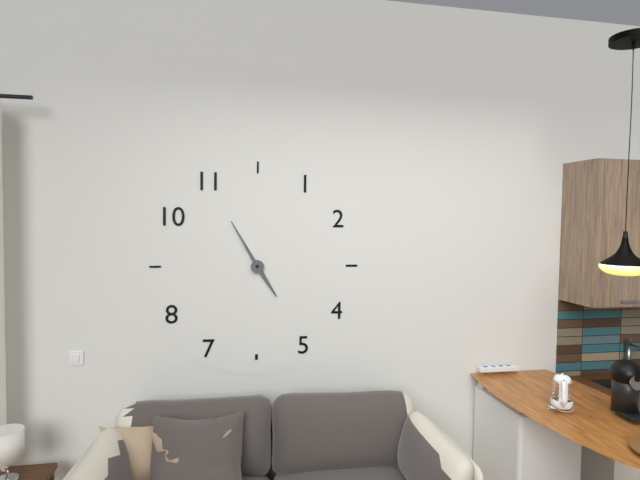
4:55
